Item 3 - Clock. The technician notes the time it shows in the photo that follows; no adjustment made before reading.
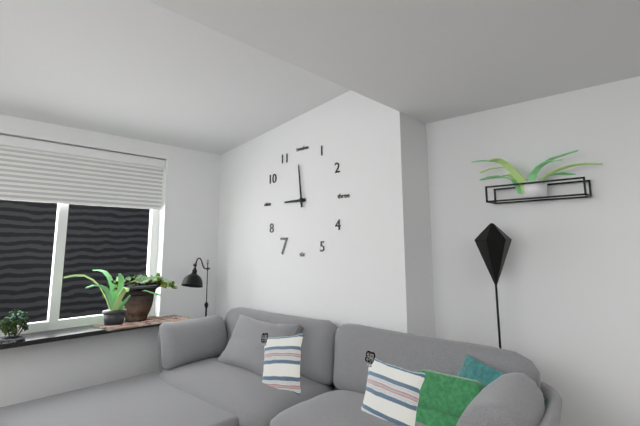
8:59
